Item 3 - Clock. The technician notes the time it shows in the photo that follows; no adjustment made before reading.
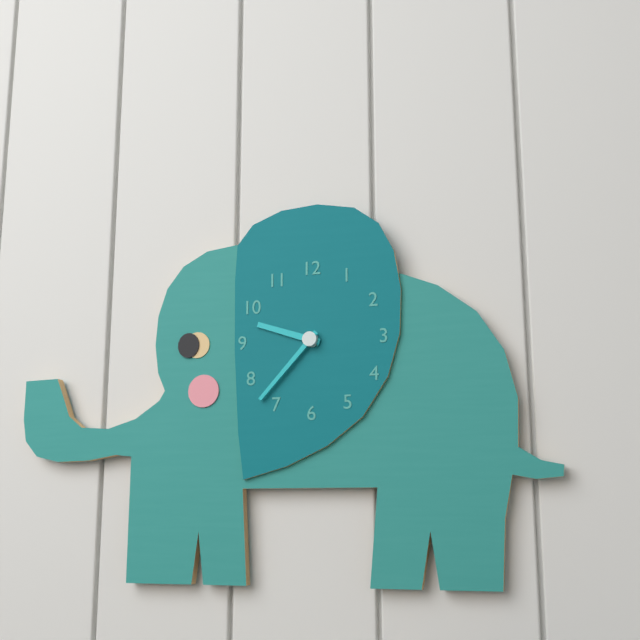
9:37
